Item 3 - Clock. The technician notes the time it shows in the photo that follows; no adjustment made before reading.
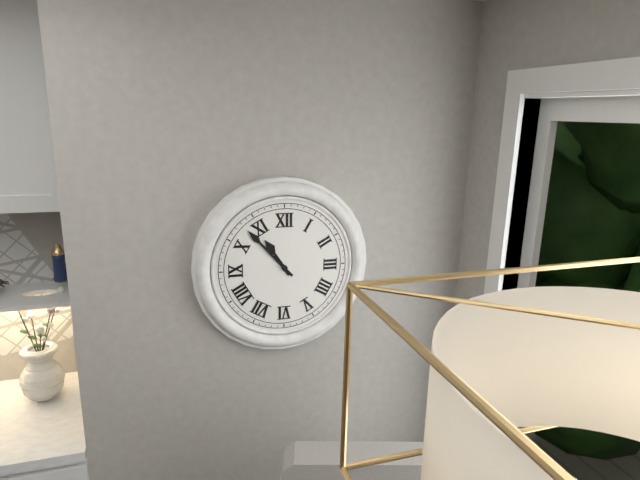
10:53
